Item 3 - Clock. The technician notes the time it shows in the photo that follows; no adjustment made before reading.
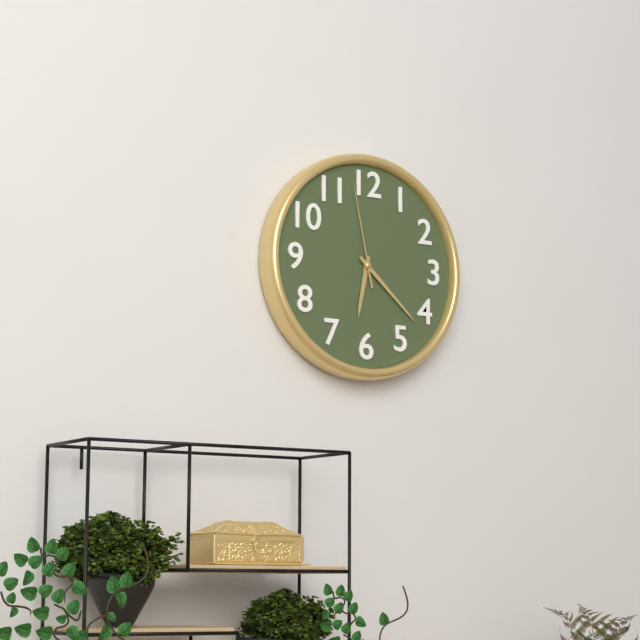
6:22:58
